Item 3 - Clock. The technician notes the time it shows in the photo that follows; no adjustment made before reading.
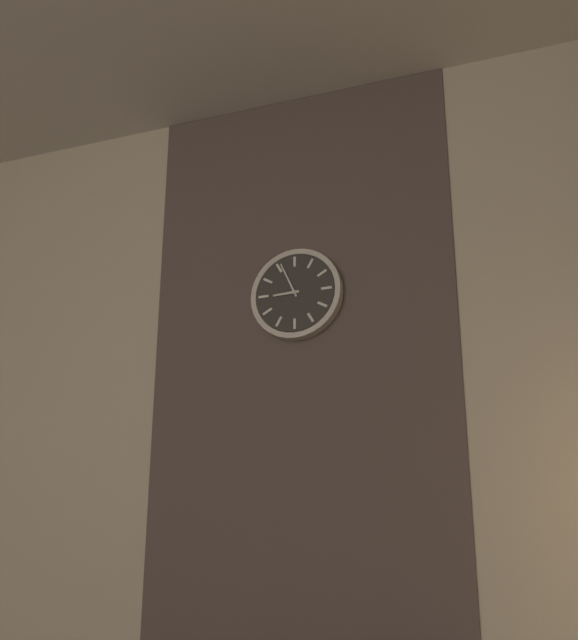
8:56
